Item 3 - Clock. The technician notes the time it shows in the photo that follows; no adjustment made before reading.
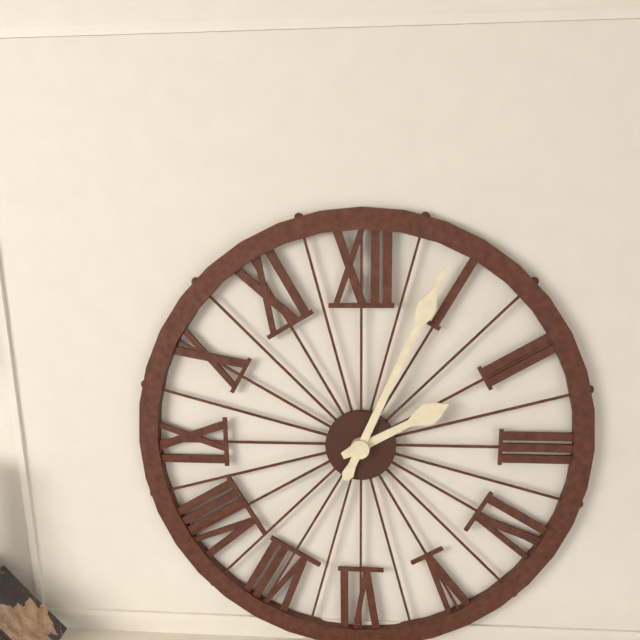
2:04
